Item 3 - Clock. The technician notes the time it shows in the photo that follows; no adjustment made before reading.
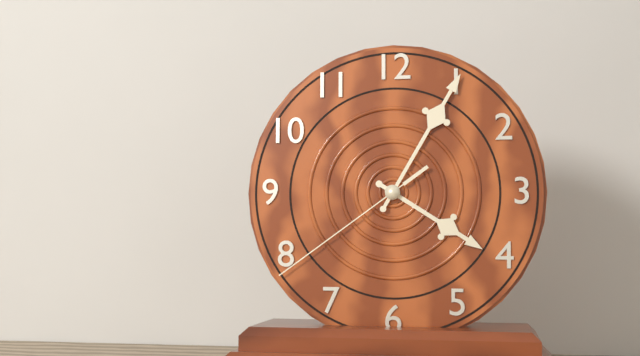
4:05:39
